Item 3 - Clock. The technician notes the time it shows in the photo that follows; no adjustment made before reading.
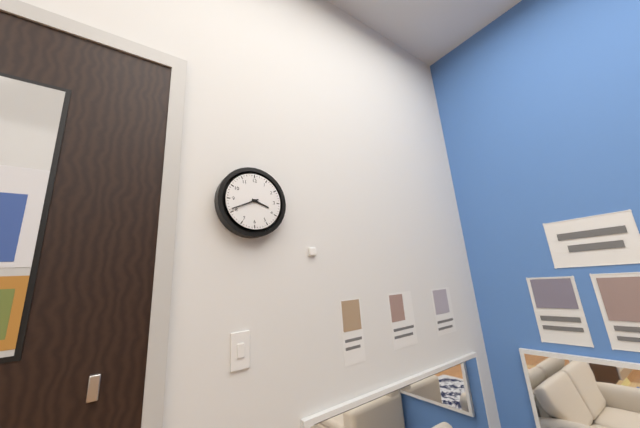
3:41
